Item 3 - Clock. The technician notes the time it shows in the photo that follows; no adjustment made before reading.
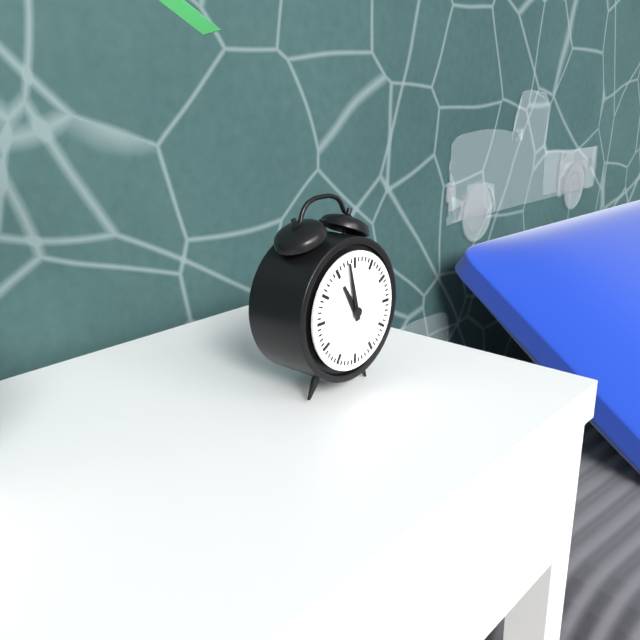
10:58
